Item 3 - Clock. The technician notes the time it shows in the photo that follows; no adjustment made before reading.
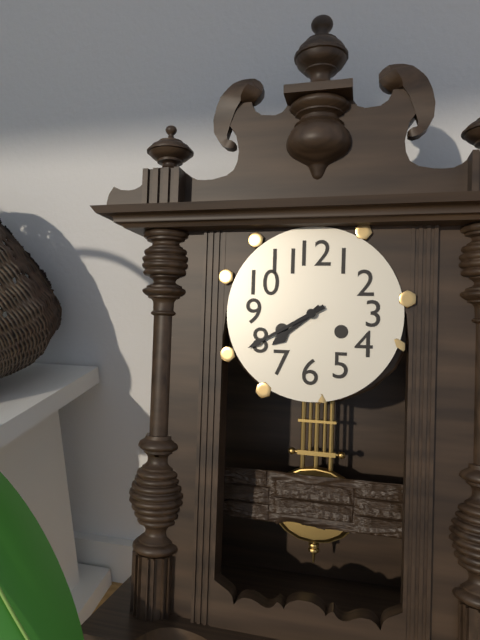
7:40
